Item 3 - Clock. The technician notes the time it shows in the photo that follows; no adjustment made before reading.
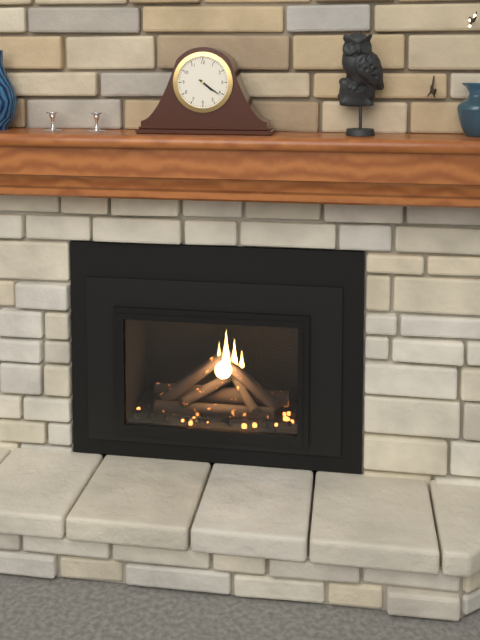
4:21
